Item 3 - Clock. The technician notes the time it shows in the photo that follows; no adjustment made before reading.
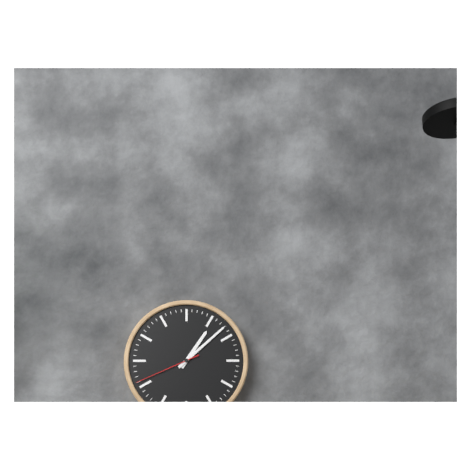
1:08:41
